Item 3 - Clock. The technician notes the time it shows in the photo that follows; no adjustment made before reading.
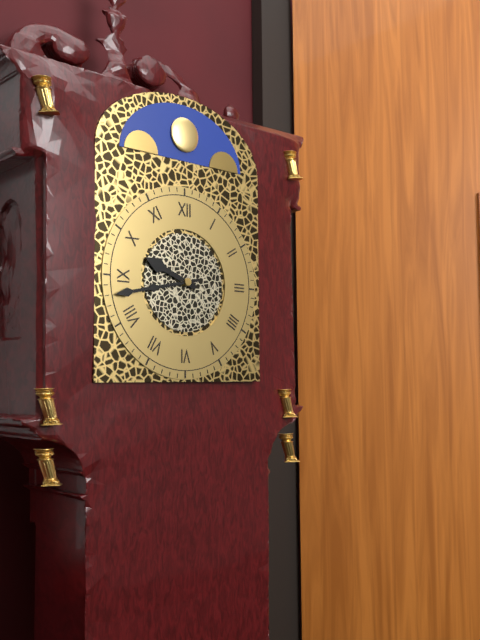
9:43
